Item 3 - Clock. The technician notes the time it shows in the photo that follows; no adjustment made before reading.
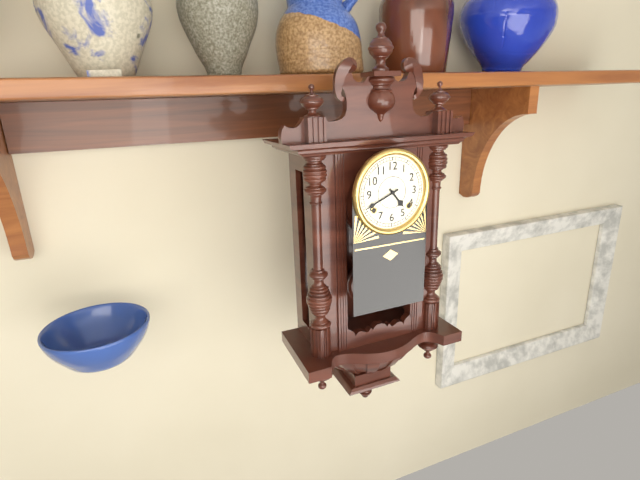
4:41
